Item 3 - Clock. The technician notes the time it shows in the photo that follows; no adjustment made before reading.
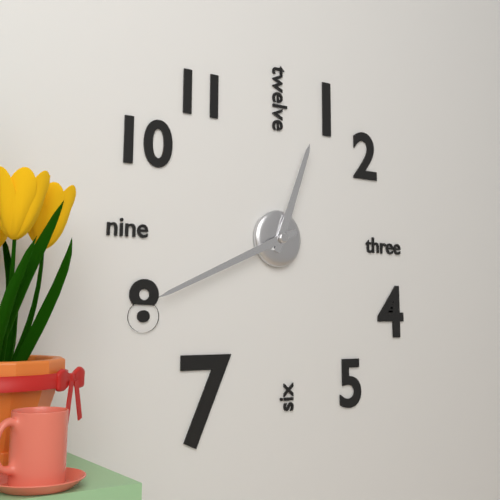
12:41
